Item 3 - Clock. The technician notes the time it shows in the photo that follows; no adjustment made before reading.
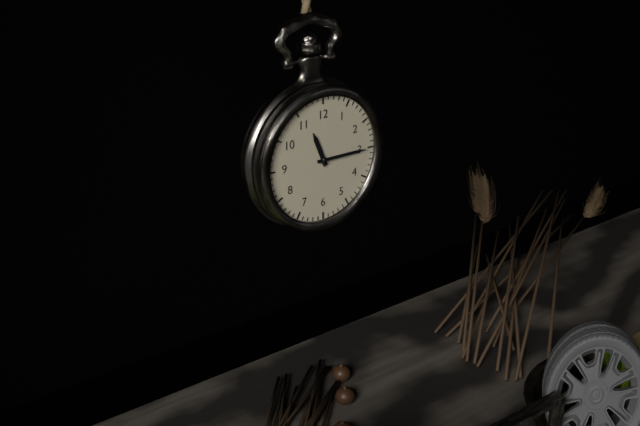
11:15
